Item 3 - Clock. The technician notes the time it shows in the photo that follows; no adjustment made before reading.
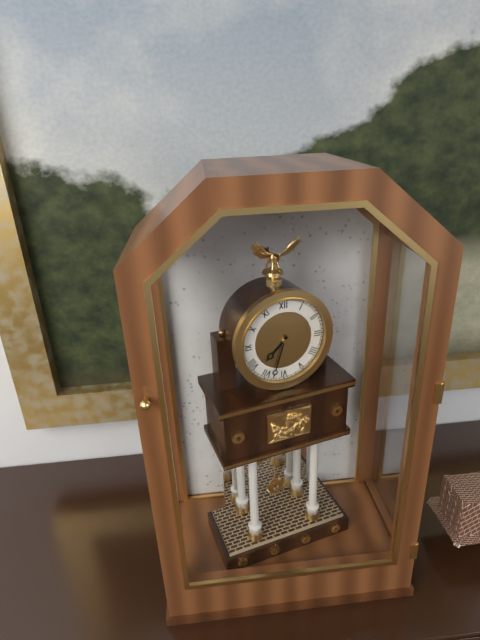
7:33
